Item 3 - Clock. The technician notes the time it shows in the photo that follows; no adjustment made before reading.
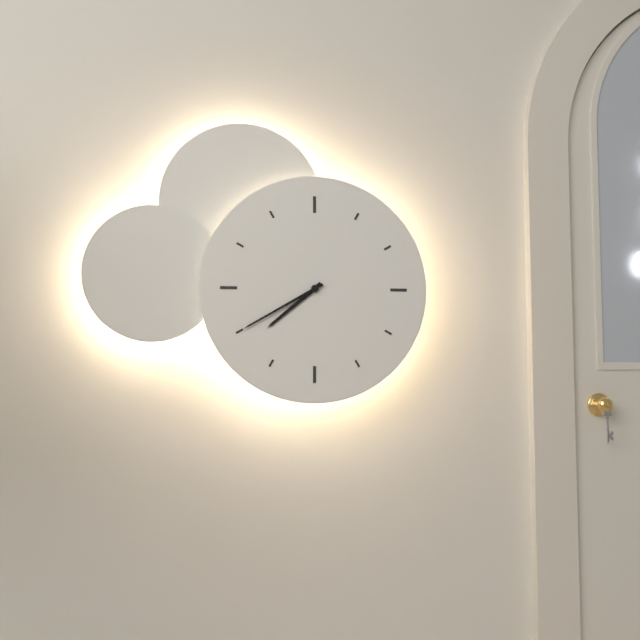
7:40
